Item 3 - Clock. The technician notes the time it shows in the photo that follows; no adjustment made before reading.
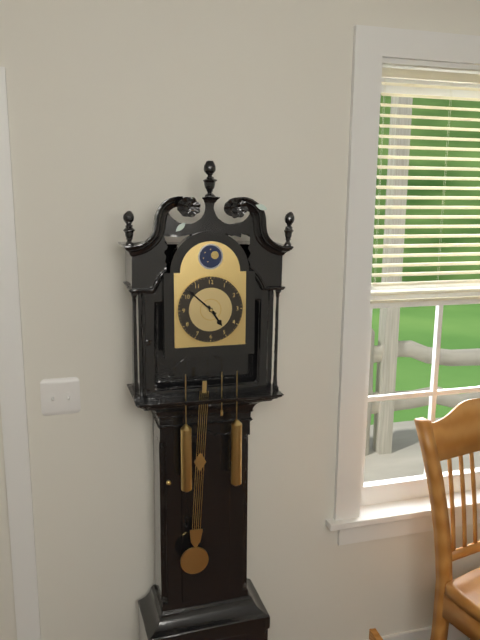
4:52
